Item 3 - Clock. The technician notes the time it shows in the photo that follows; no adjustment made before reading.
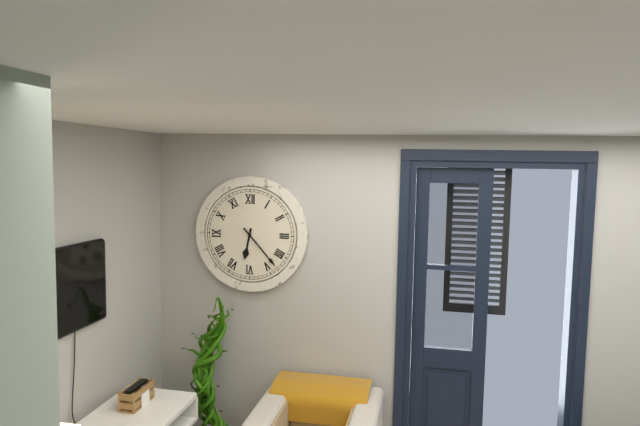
6:23
